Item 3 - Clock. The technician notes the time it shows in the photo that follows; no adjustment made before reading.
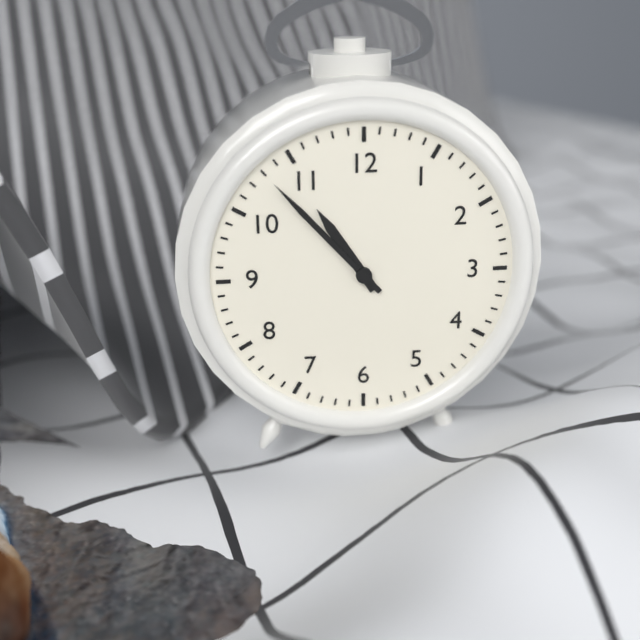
10:53
